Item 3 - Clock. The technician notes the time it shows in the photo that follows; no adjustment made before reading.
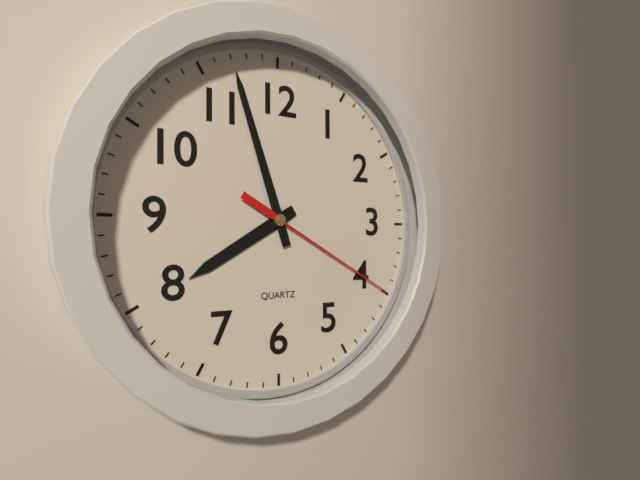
7:57:20
